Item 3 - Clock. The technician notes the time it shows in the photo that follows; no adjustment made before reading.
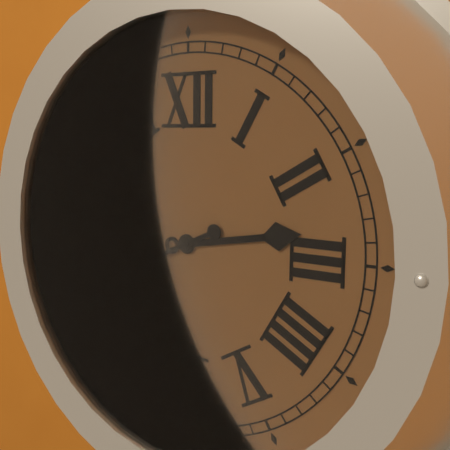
2:41
